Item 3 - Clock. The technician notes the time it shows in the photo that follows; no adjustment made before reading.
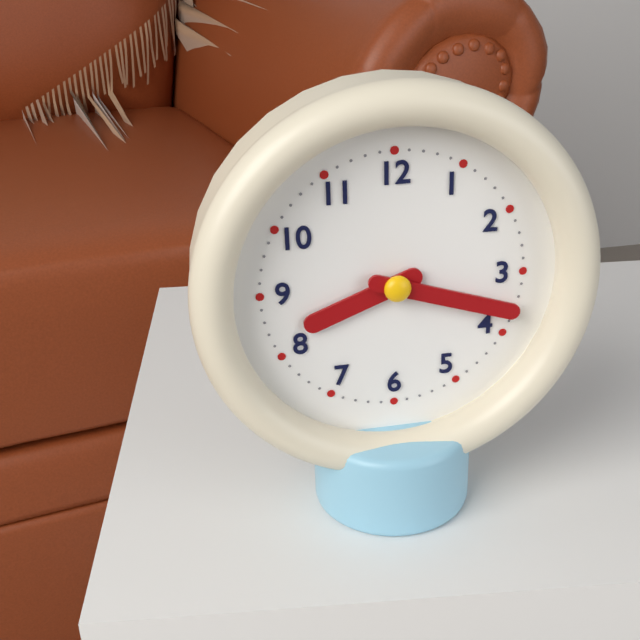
8:18
